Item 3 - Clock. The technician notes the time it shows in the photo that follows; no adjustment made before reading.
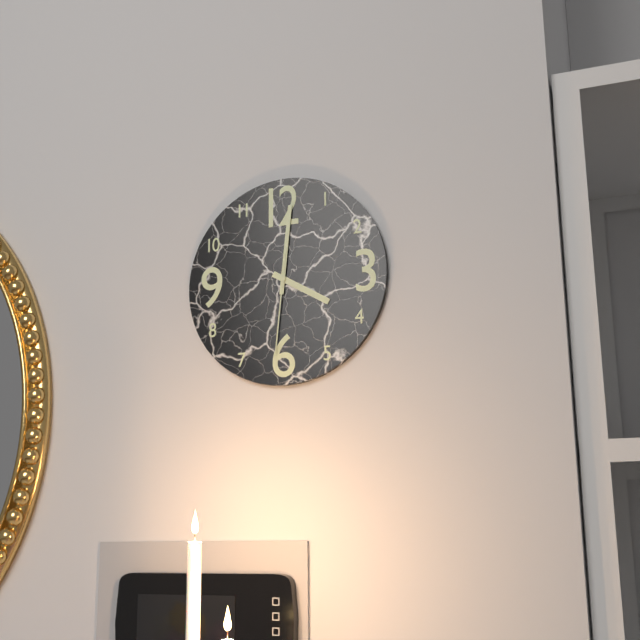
4:01:31
